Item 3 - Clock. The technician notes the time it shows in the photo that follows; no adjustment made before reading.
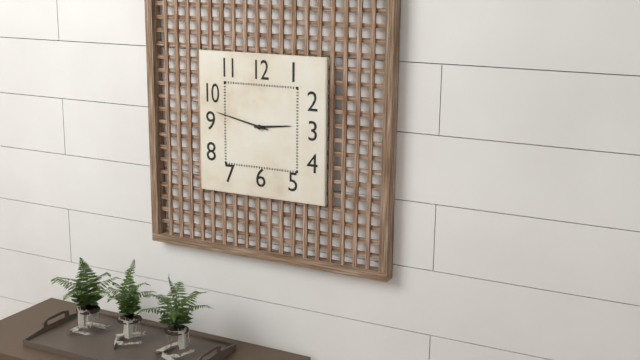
2:47
